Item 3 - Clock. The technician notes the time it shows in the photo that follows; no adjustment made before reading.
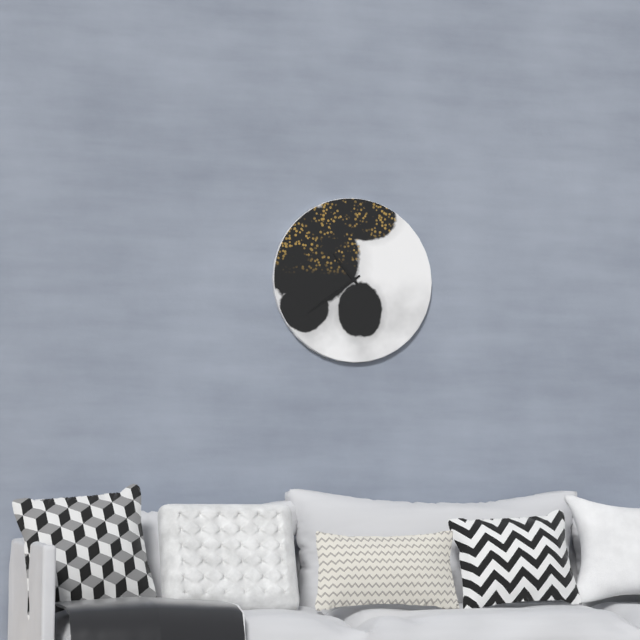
10:39
